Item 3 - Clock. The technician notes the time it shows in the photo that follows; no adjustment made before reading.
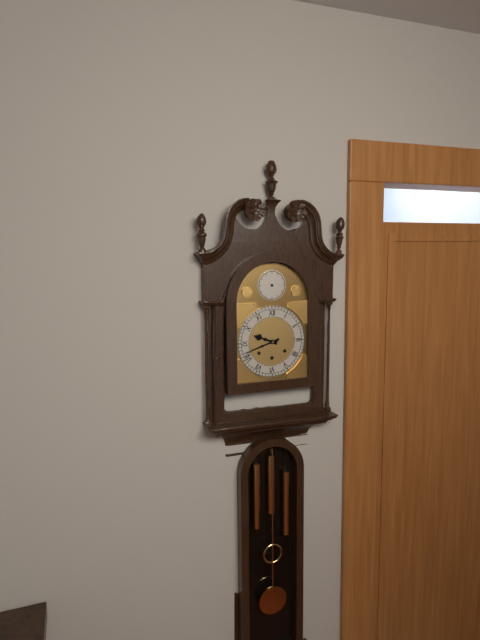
9:42
